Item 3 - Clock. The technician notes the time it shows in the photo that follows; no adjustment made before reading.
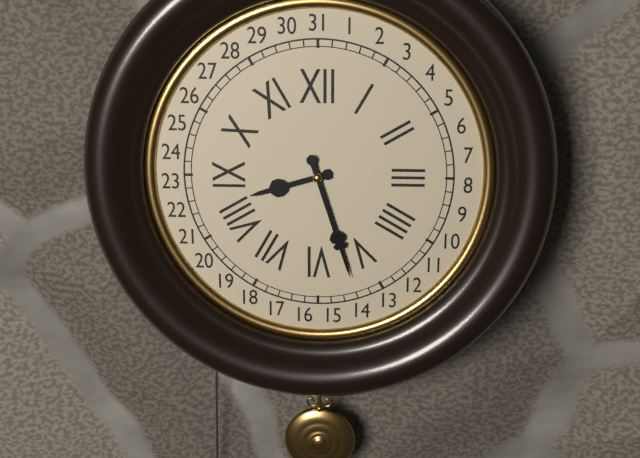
8:27
